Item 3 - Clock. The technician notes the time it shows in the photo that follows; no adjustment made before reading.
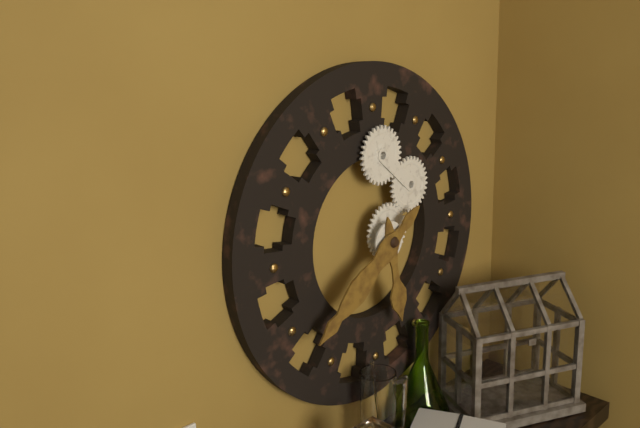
5:39
